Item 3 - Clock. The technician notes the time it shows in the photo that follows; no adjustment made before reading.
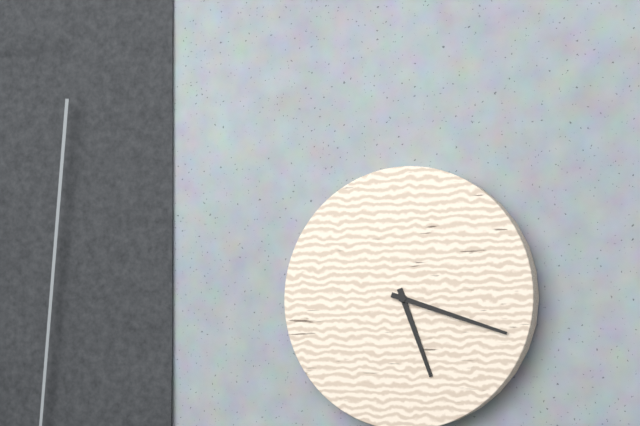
5:18
